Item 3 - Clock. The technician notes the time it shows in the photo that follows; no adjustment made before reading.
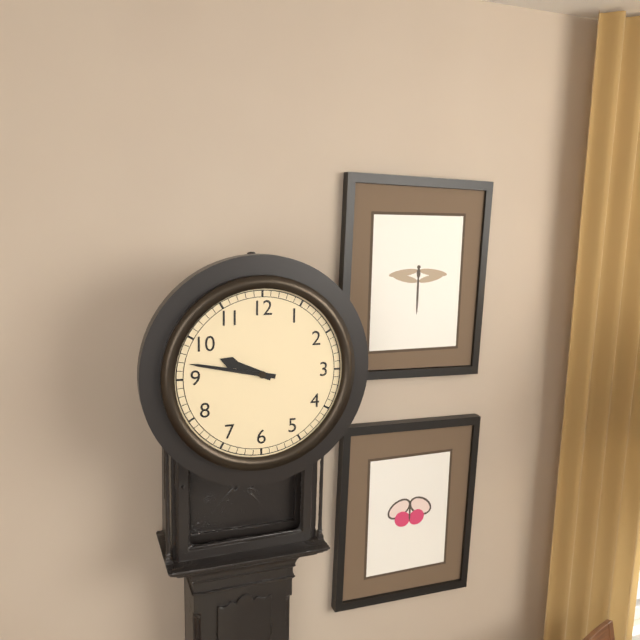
9:47
